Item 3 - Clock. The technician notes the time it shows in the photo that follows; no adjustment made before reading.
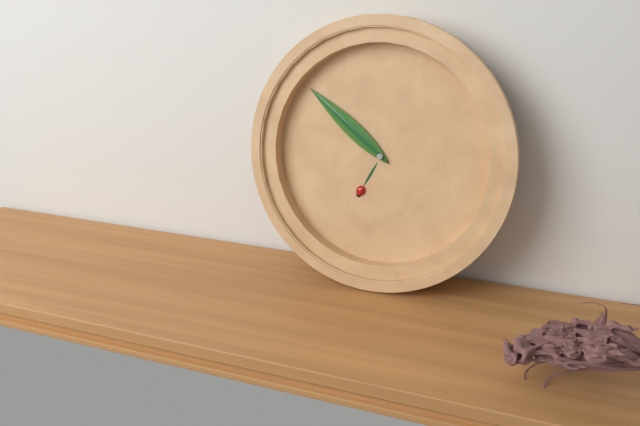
6:51
